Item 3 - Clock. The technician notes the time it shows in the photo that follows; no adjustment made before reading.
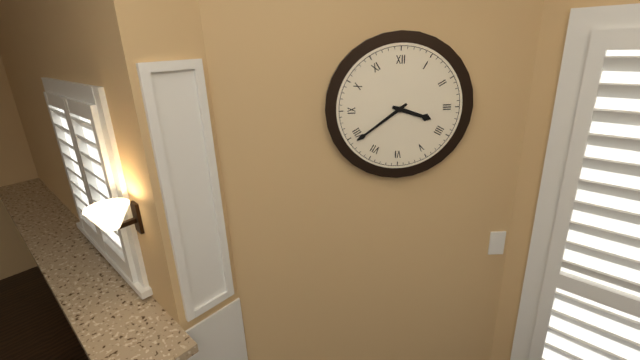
3:39
